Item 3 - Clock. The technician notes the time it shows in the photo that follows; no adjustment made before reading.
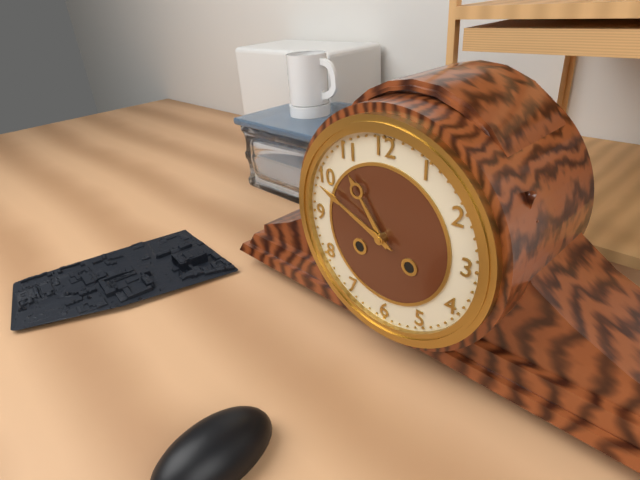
10:49
